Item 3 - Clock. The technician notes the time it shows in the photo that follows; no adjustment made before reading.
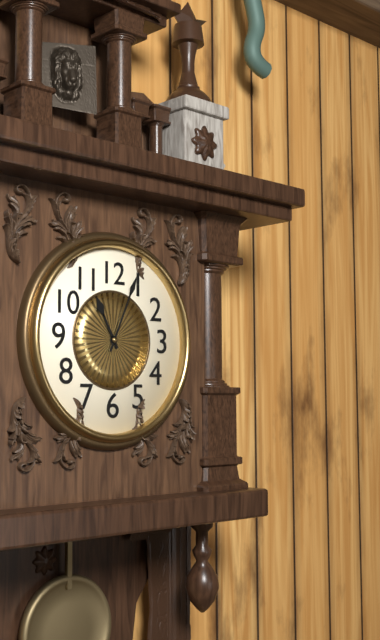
11:04
